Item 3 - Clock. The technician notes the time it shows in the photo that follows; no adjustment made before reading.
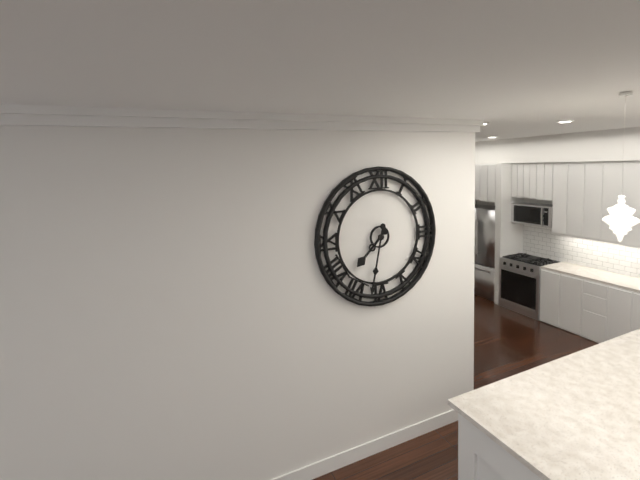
7:32
